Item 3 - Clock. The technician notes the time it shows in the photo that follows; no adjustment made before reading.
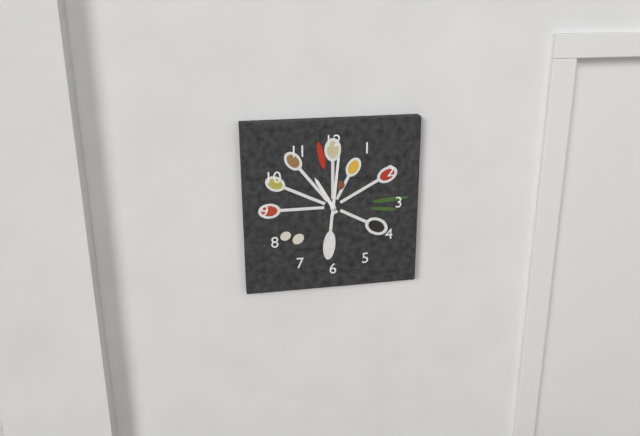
11:01
